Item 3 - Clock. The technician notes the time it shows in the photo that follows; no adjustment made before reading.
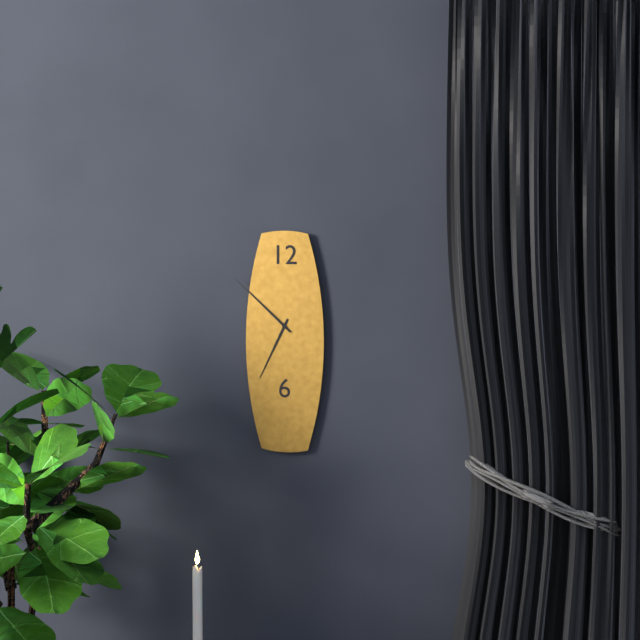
6:52
